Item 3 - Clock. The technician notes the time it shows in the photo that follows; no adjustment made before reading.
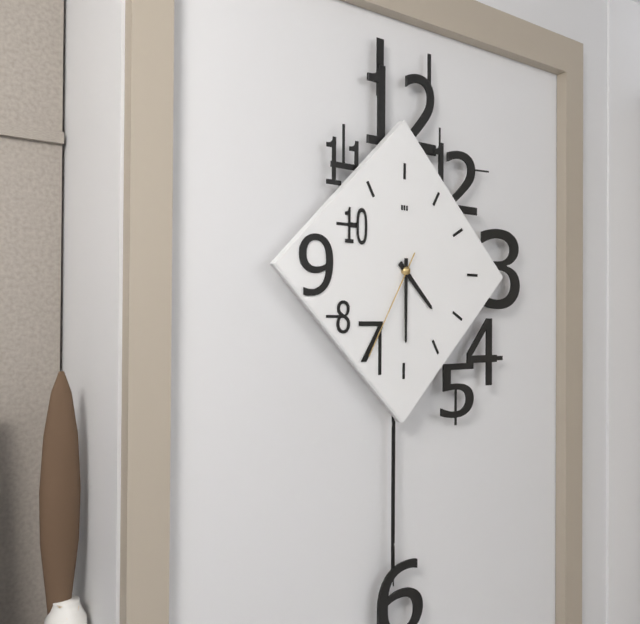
4:30:35
